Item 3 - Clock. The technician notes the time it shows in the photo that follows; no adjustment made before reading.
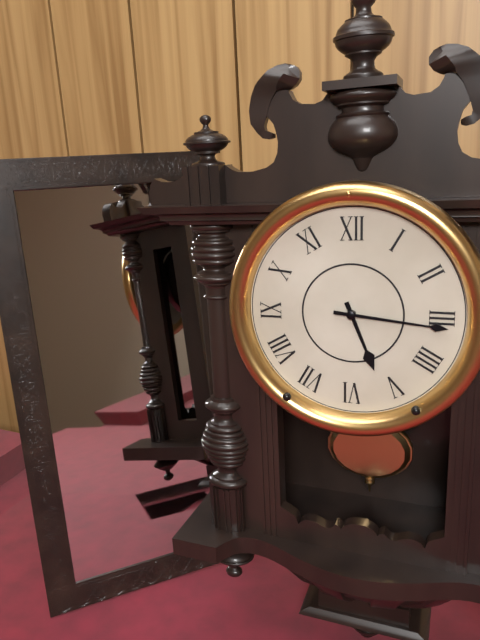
5:16
